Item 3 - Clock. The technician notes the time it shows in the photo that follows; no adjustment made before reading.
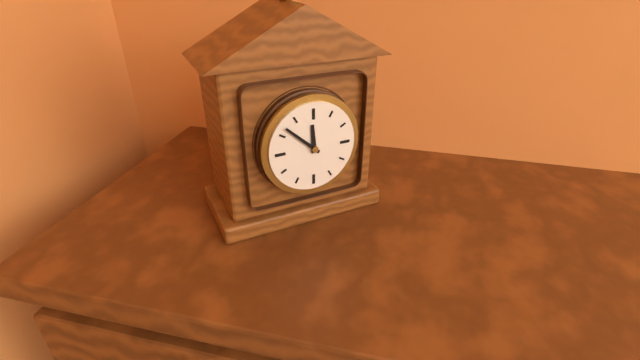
11:52
